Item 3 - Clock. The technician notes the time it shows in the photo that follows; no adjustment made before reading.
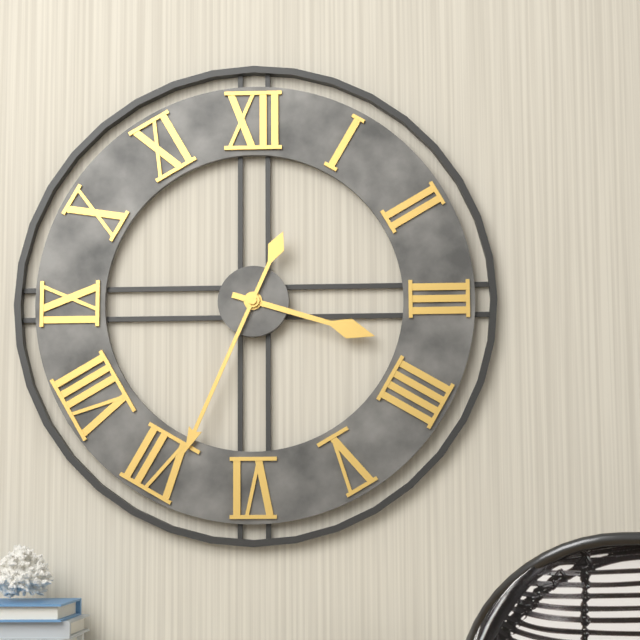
3:34
